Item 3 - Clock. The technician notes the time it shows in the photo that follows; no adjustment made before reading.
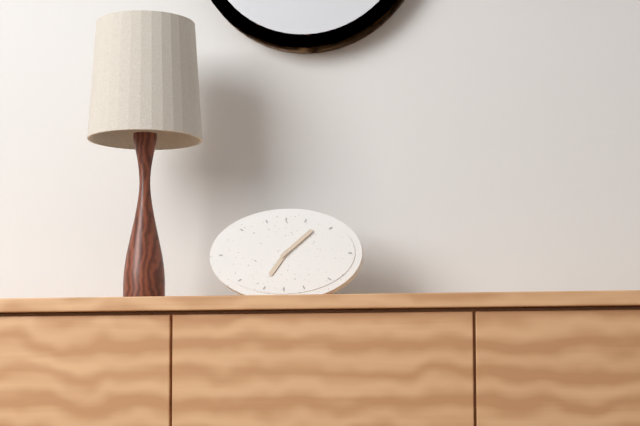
7:08
